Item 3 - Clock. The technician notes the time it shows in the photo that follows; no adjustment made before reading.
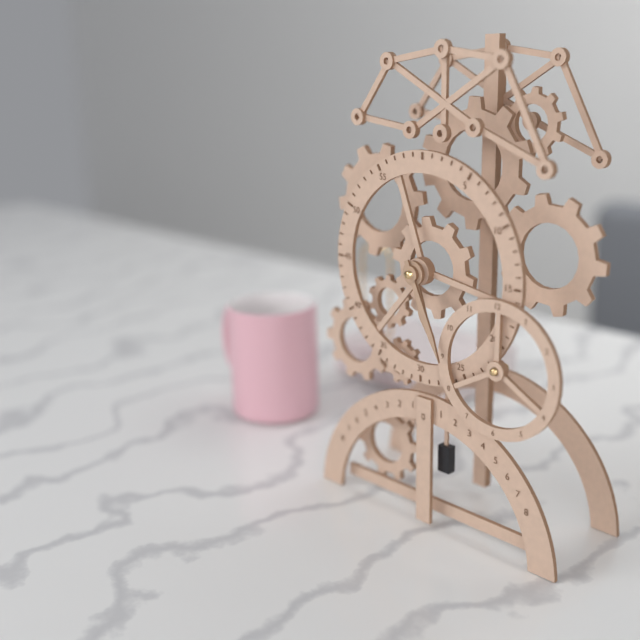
5:26
